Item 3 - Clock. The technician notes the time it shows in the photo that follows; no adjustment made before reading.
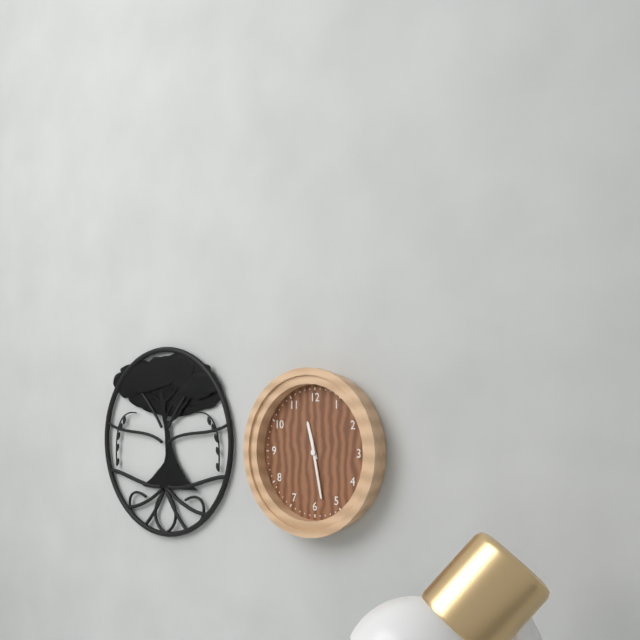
11:28
